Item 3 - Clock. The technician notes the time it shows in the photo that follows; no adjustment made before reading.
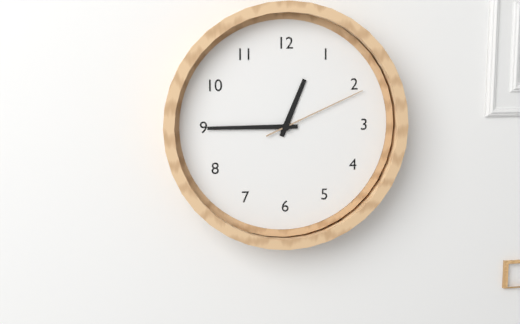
12:45:11
